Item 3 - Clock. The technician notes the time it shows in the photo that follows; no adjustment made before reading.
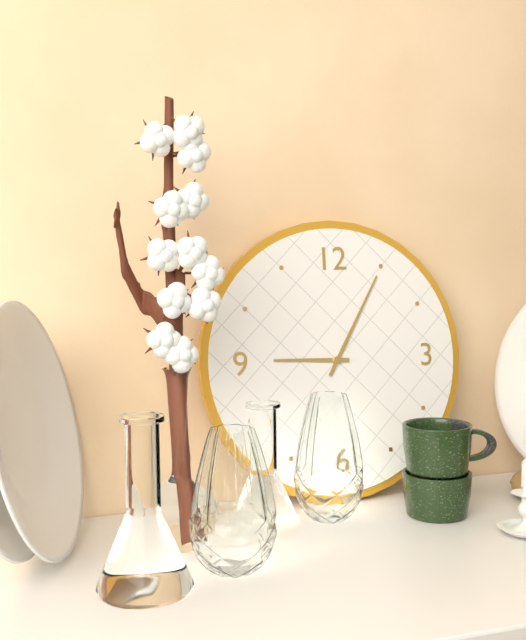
9:05
